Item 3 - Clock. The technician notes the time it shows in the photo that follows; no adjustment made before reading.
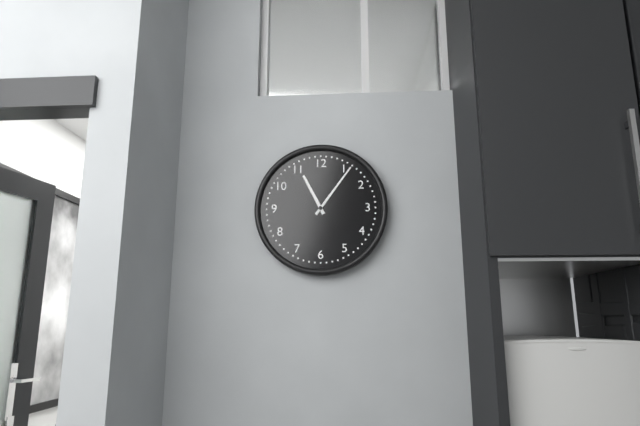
11:06
